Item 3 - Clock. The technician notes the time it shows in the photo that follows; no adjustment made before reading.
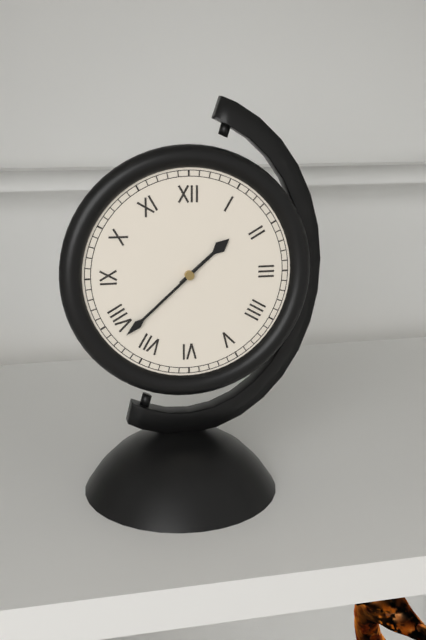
1:38
